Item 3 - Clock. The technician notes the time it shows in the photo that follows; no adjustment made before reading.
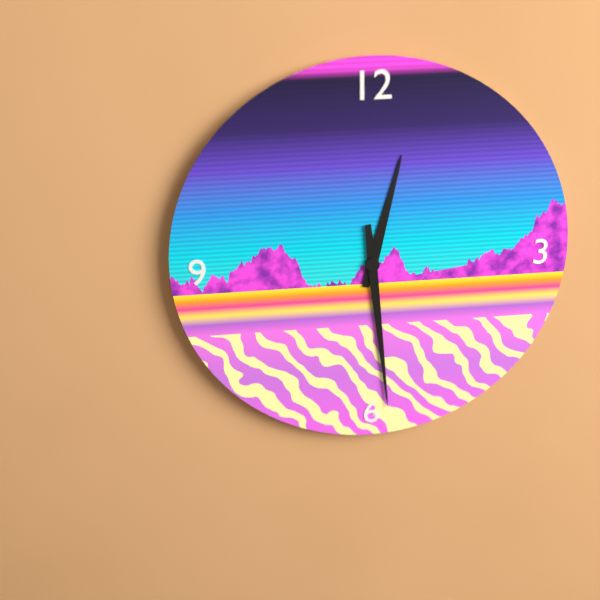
12:29
